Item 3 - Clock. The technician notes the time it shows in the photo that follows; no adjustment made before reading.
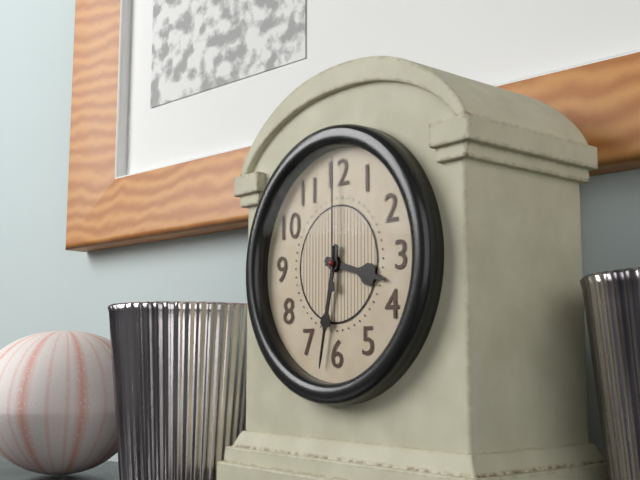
3:32:00
